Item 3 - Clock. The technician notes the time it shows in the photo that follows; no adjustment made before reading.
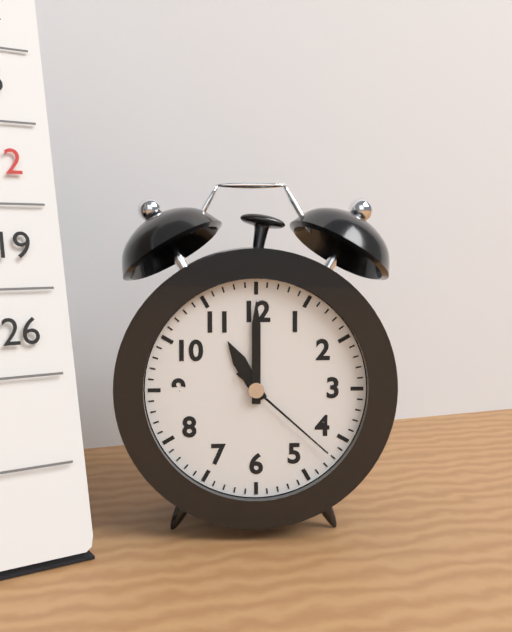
11:00:22
